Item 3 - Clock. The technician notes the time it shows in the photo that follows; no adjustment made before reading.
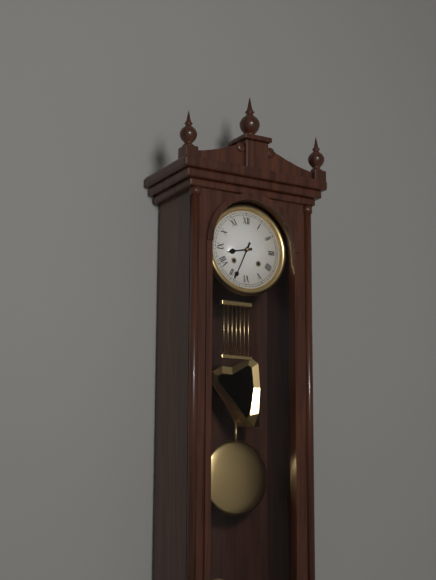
8:34
